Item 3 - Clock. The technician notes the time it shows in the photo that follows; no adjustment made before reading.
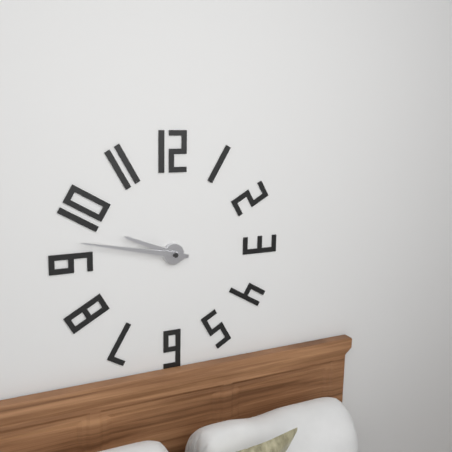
9:47
